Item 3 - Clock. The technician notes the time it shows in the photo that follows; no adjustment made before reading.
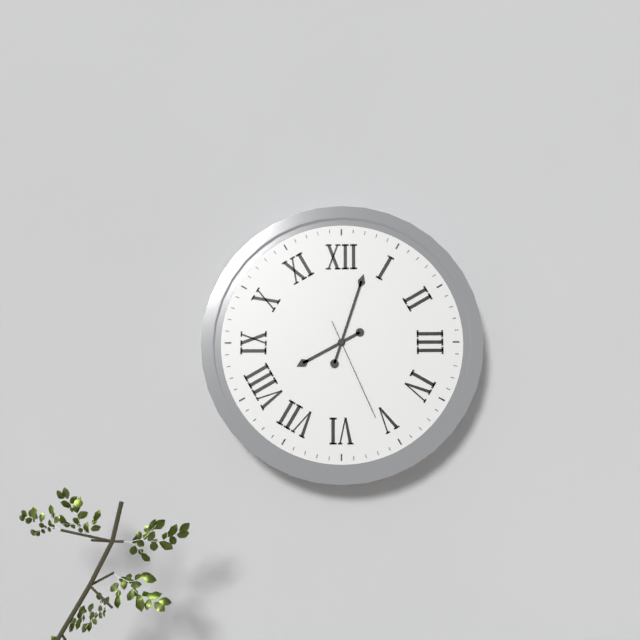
8:03:26
